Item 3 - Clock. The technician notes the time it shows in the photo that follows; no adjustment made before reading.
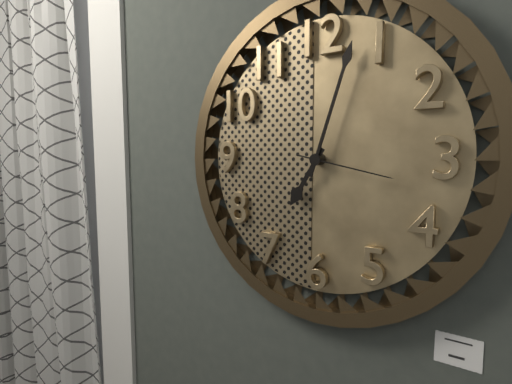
7:03:17
